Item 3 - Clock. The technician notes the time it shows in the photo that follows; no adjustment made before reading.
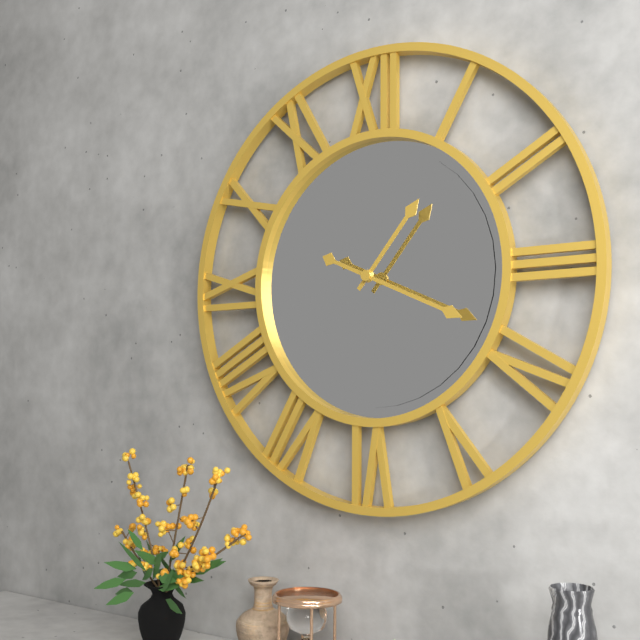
1:19
